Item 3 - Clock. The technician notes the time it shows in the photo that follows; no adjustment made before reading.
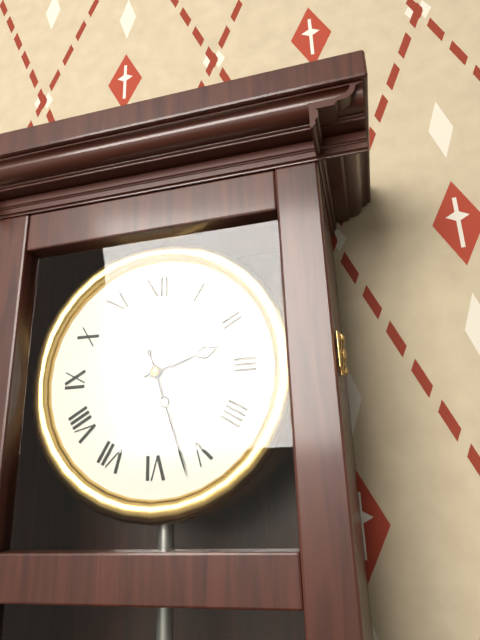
2:27
